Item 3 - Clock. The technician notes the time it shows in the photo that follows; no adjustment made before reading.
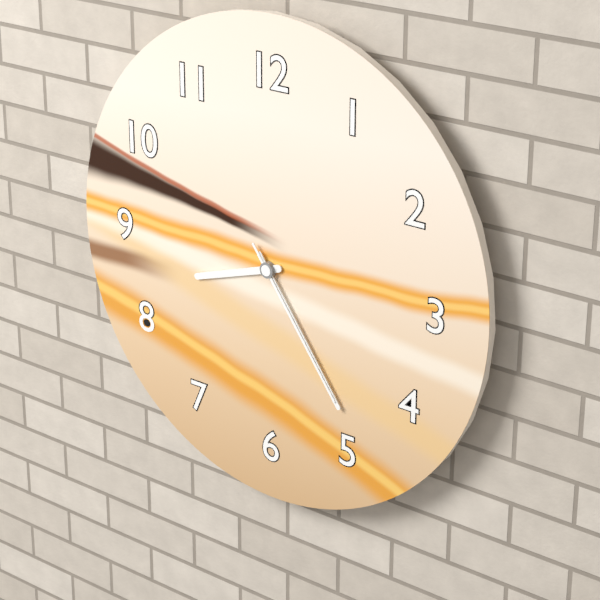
8:24:24
